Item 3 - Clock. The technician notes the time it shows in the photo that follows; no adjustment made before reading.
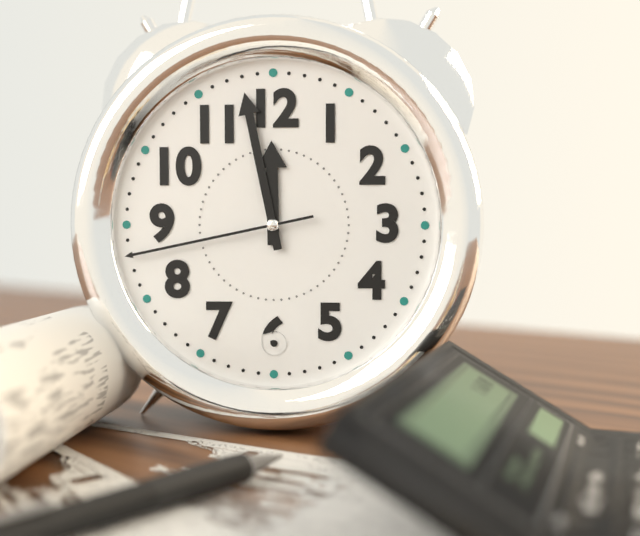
11:58:43
